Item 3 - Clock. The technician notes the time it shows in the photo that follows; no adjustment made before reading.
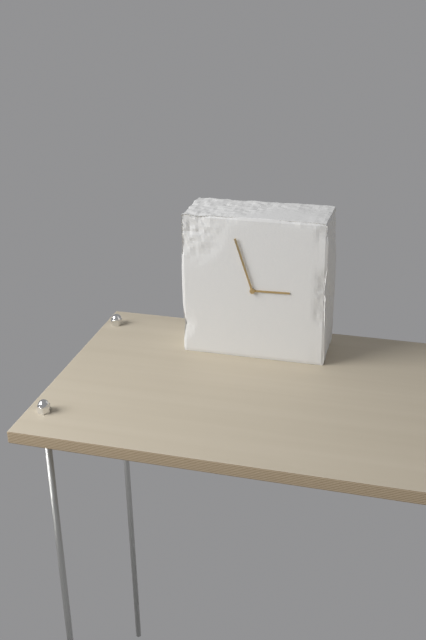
2:57
